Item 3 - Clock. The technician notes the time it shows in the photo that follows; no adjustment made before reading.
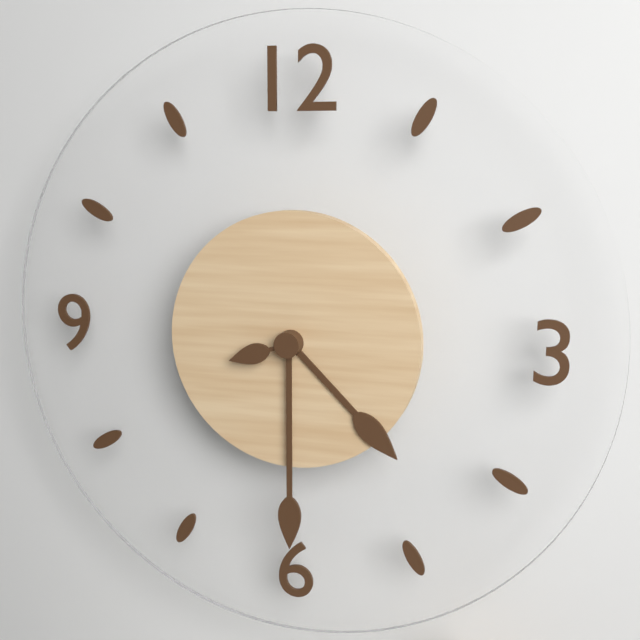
4:30:42
